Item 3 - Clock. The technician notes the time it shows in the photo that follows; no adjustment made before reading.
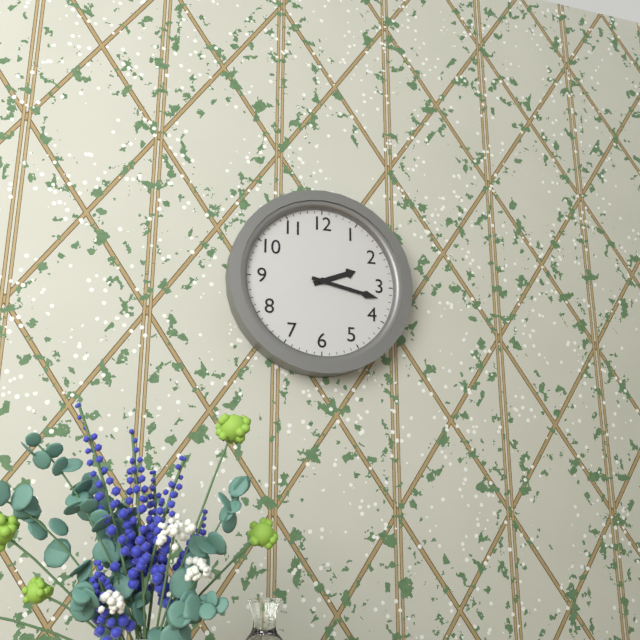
2:17
